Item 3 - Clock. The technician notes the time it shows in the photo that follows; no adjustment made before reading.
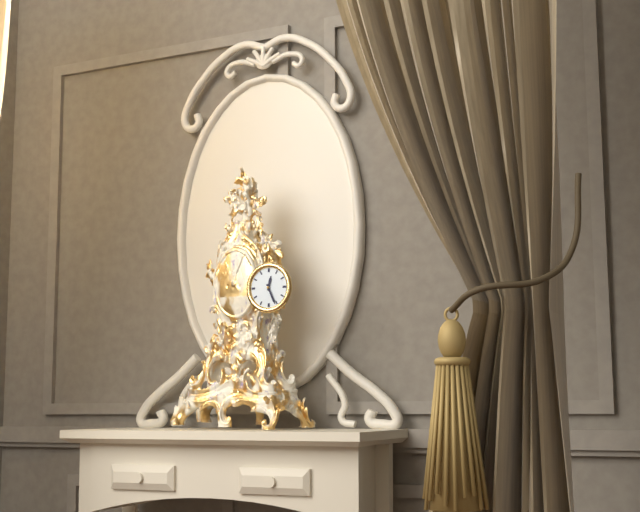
12:26
